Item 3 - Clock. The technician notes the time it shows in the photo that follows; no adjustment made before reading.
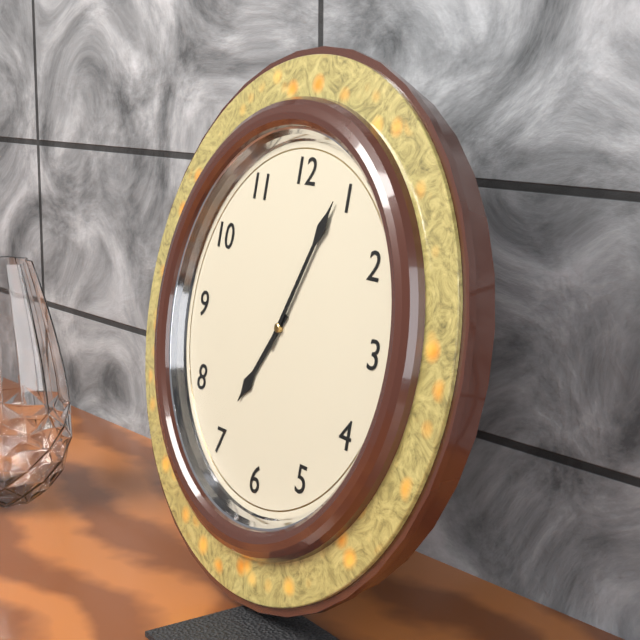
7:04
